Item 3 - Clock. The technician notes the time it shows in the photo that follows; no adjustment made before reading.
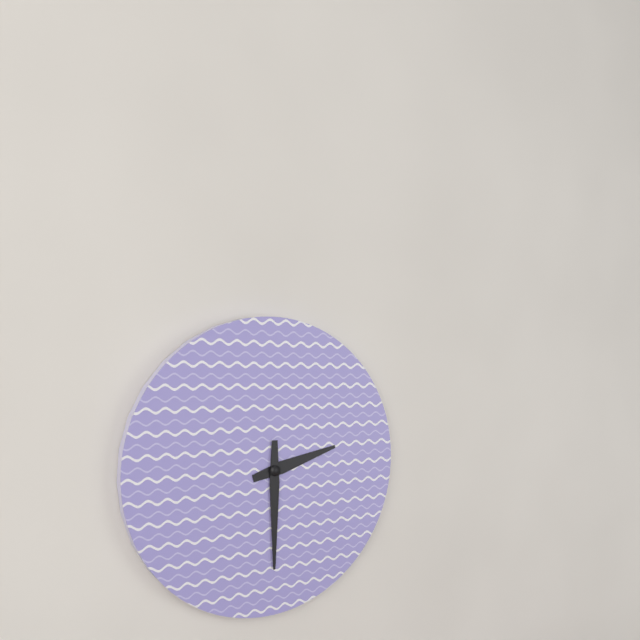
2:30
